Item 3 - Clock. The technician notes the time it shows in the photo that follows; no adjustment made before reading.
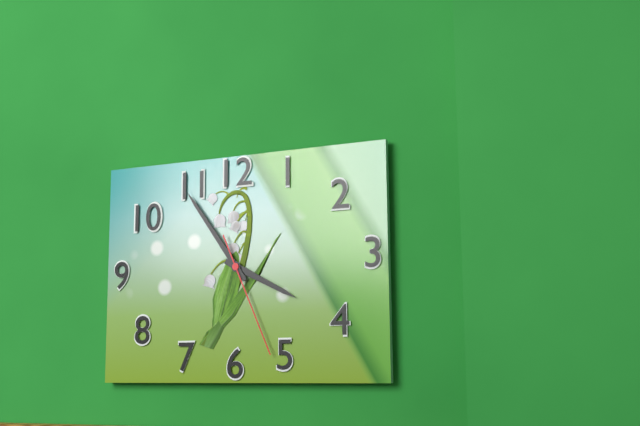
3:54:26
